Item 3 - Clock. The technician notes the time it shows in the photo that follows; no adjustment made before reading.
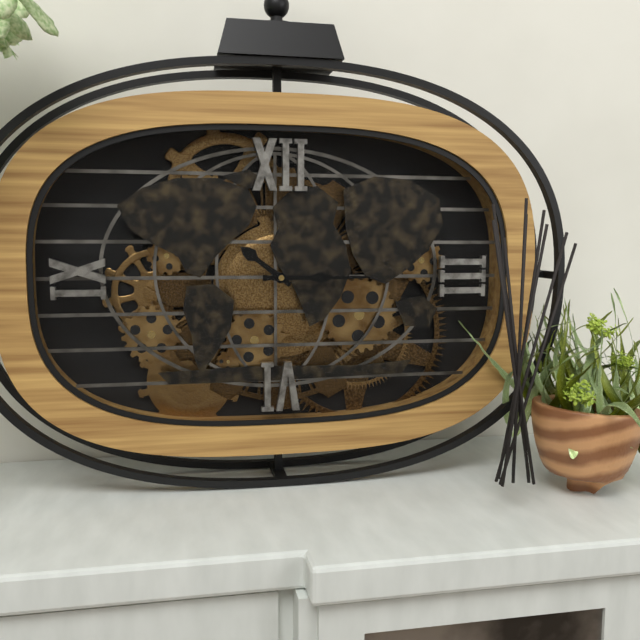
10:15
